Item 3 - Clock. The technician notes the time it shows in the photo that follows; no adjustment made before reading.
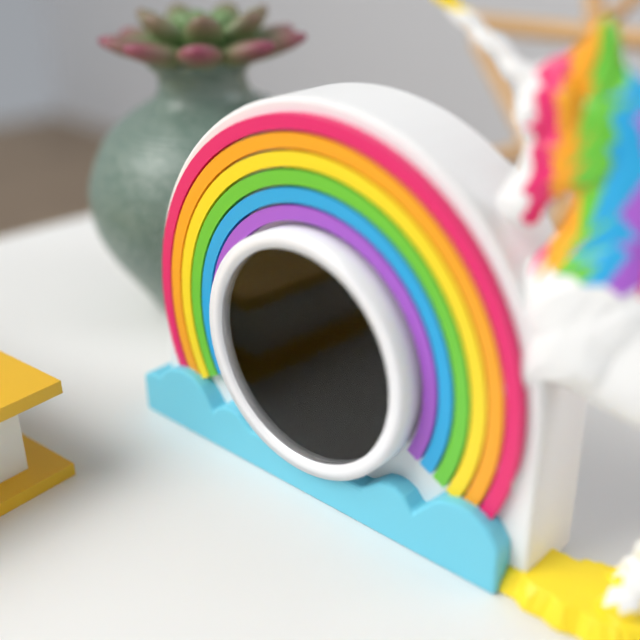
9:34
